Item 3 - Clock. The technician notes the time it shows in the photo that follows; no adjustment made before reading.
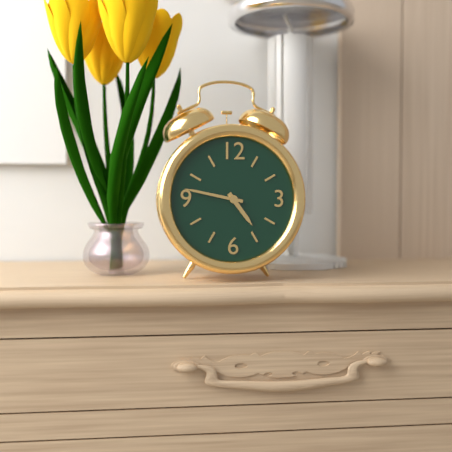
4:47
